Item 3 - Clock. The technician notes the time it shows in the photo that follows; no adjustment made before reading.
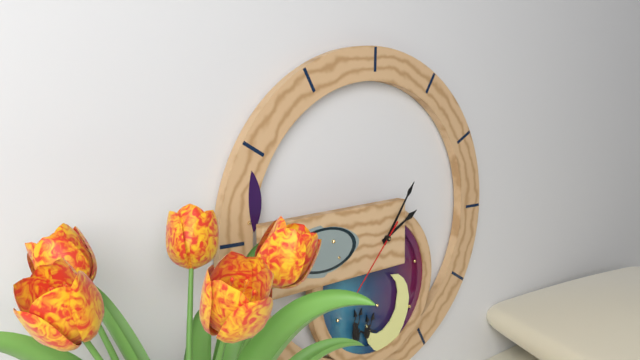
2:06:37
